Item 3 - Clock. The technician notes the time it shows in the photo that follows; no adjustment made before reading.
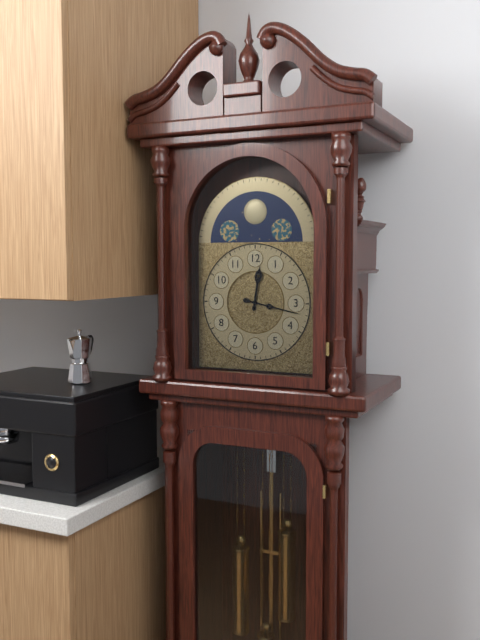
12:17
